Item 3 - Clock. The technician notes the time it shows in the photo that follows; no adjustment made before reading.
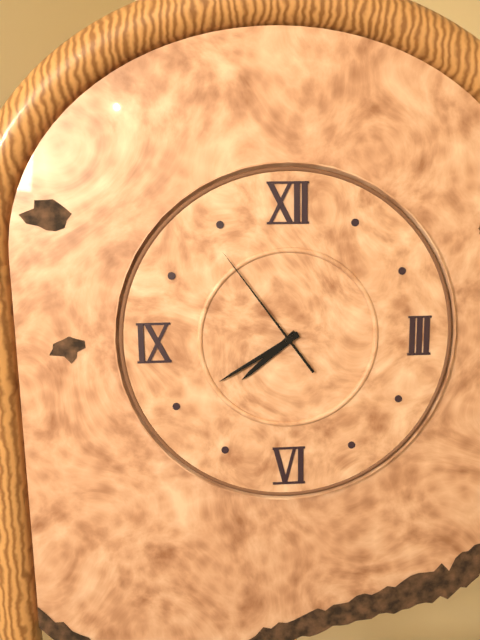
7:40:54
